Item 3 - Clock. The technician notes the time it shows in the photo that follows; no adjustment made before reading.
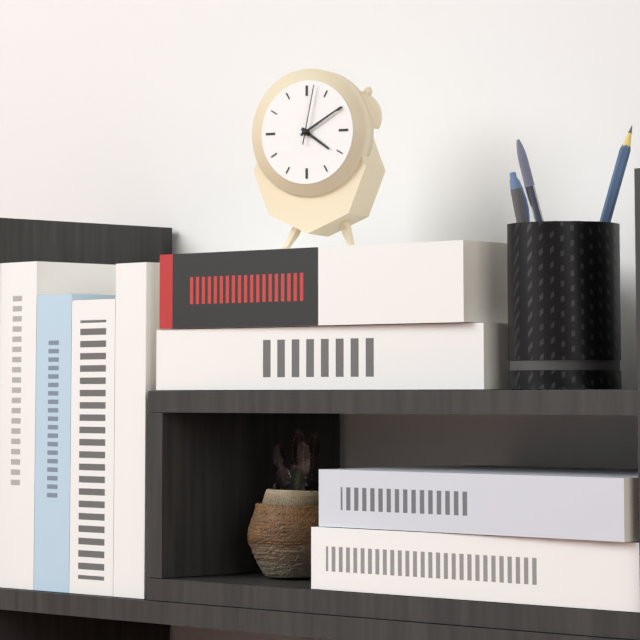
4:10:02
